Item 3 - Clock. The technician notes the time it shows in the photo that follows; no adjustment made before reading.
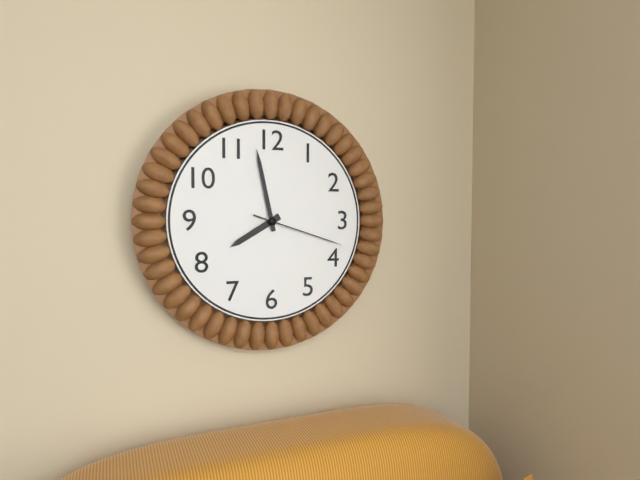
7:58:18
